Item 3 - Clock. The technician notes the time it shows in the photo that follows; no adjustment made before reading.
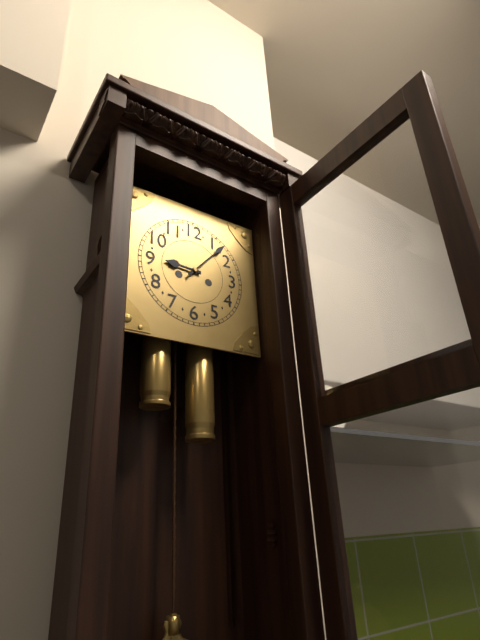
9:07
